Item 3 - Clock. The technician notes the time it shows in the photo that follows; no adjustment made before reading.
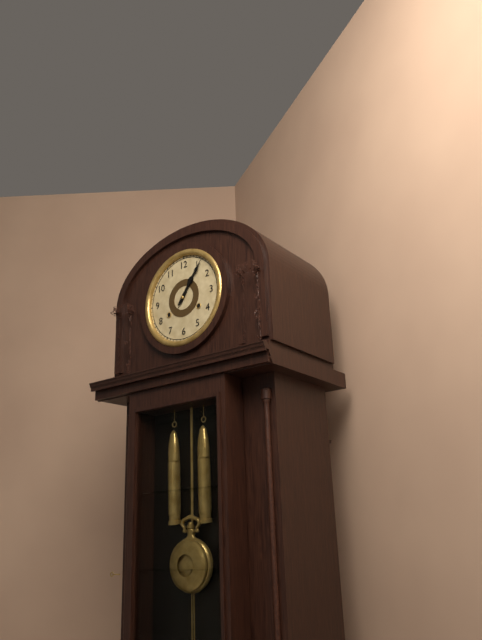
1:06
